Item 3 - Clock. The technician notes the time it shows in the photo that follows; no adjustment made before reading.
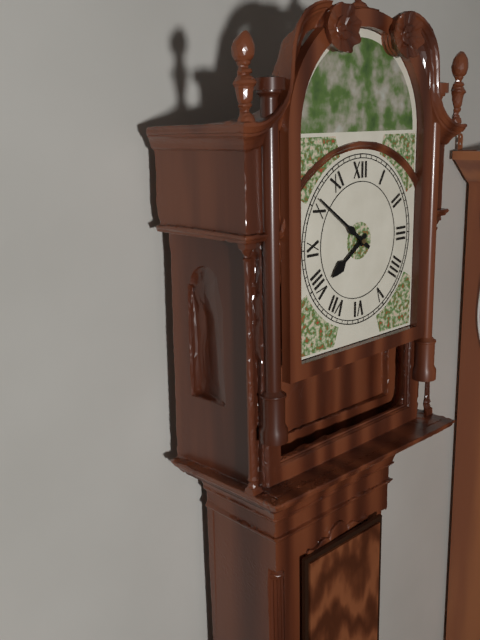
7:51
